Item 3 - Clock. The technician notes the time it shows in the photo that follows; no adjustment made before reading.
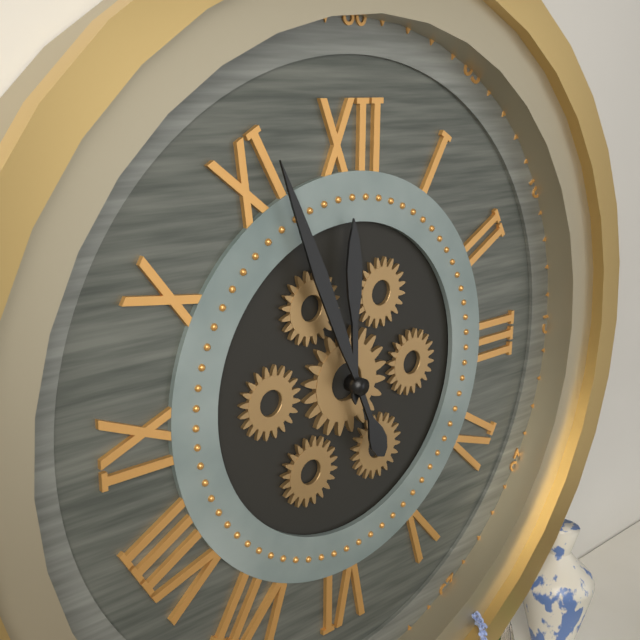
11:56
